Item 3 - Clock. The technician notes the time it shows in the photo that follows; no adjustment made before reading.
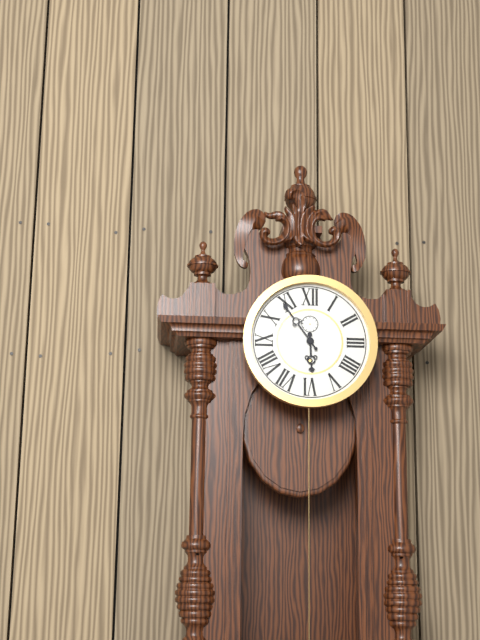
5:54
